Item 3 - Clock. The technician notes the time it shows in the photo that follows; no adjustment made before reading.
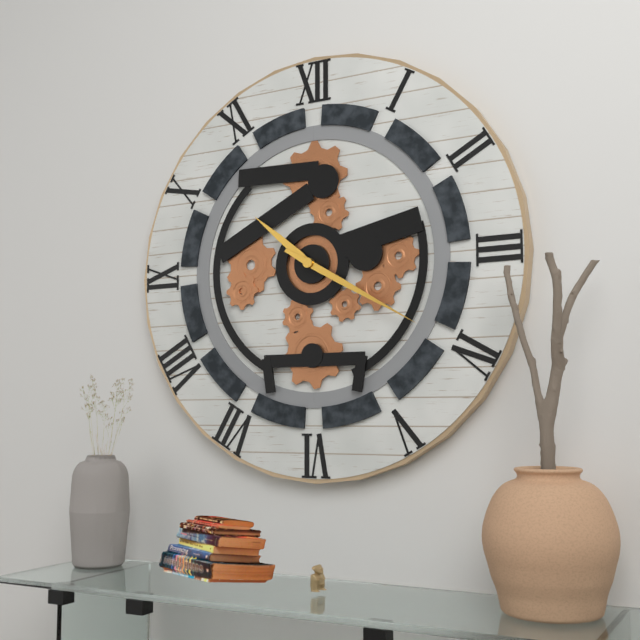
10:20
